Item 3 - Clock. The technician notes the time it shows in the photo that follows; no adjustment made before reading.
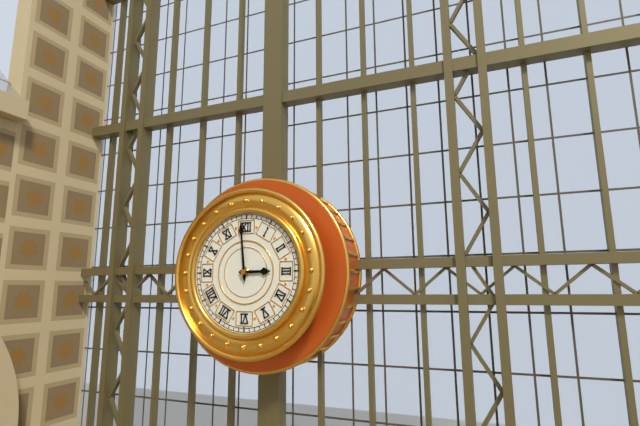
2:59
